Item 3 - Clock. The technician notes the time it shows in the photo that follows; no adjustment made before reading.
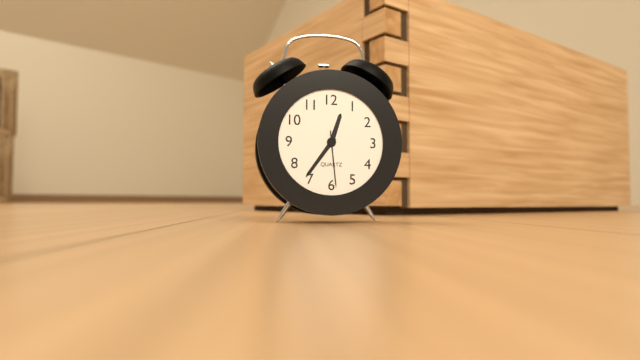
12:36:29
